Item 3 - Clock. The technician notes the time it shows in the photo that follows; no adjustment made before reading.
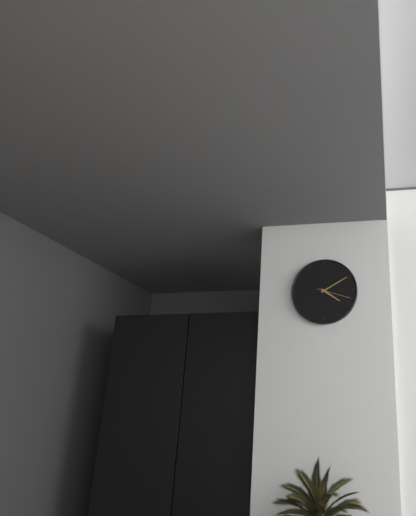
4:10
